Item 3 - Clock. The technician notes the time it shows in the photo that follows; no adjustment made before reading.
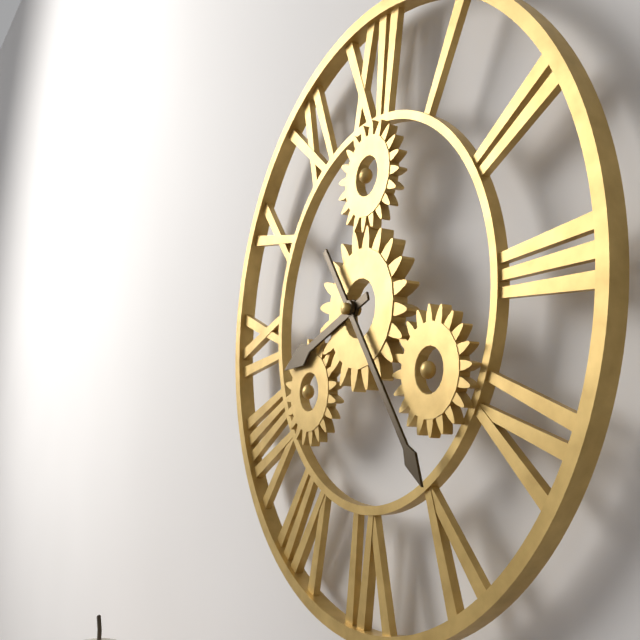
8:24
